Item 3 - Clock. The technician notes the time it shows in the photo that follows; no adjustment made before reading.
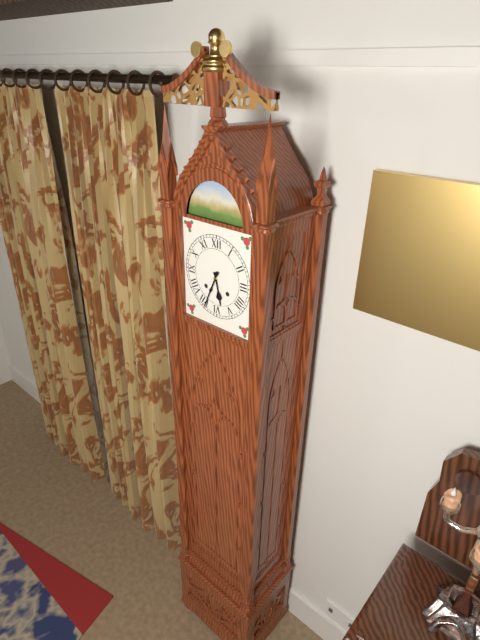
5:34
